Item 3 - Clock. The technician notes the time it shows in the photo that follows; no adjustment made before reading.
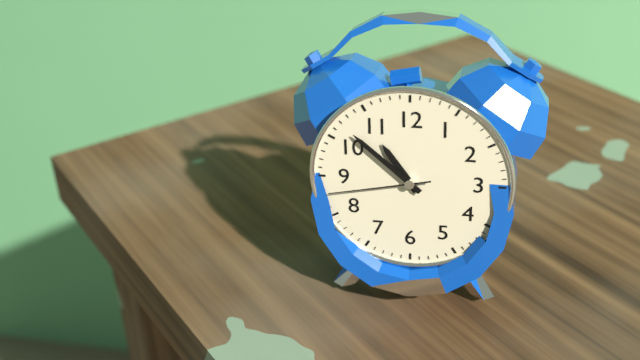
10:52:43
